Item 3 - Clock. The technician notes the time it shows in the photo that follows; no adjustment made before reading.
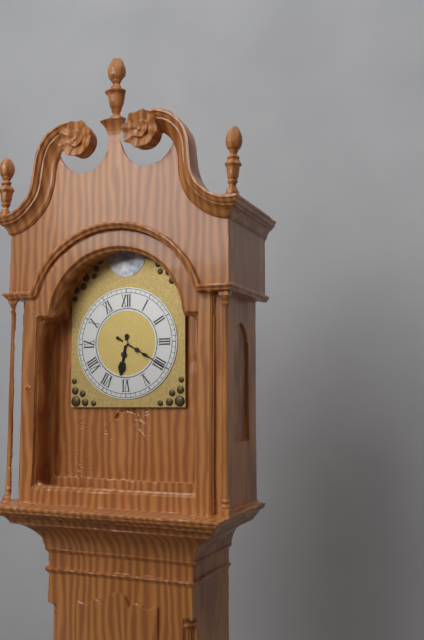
6:20
